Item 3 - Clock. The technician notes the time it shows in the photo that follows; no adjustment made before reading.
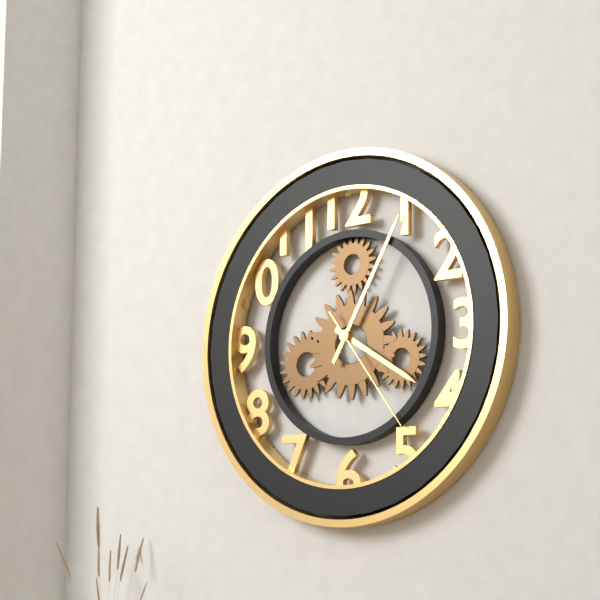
4:05:24
